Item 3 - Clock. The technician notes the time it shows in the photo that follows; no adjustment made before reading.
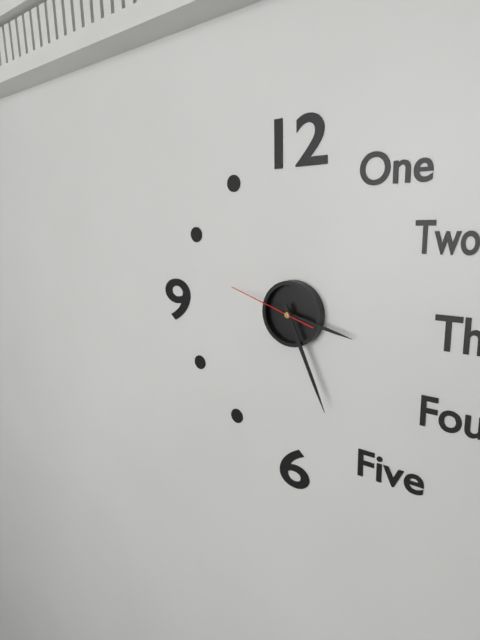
3:26:48
